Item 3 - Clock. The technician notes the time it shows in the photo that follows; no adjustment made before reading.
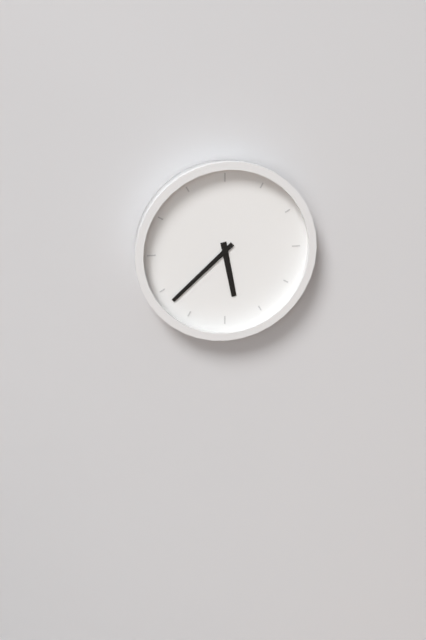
5:38
